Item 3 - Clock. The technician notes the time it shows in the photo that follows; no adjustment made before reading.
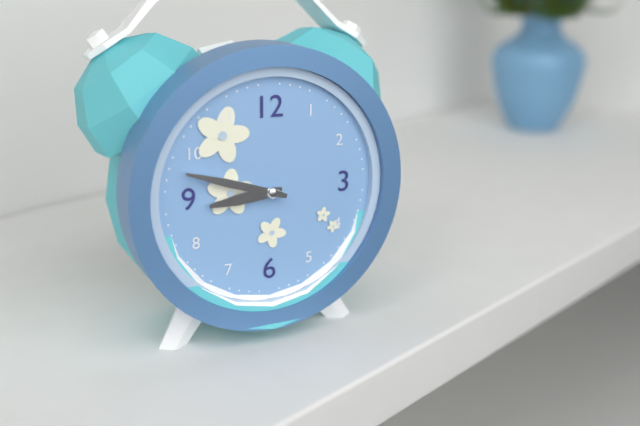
8:48
